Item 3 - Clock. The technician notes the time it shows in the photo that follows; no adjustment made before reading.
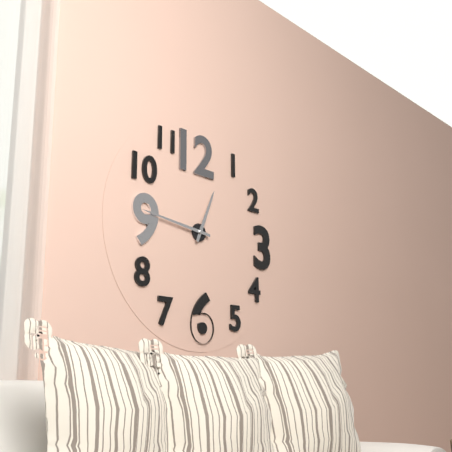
12:46
